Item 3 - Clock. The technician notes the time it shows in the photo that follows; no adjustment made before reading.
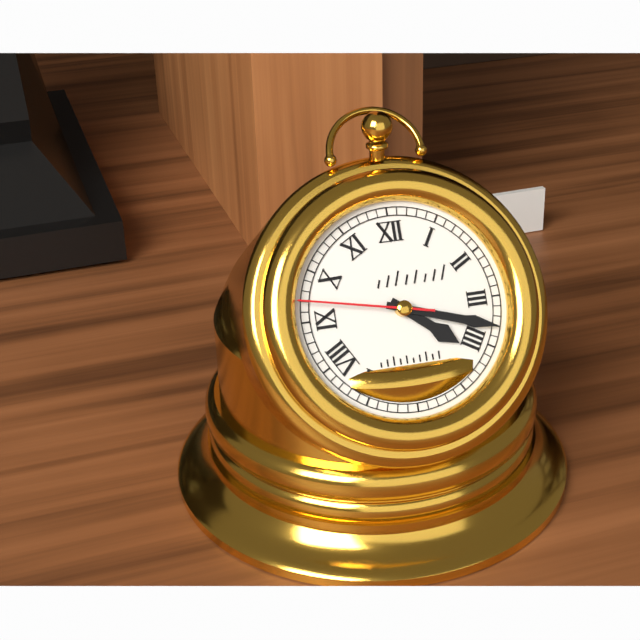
4:18:47
